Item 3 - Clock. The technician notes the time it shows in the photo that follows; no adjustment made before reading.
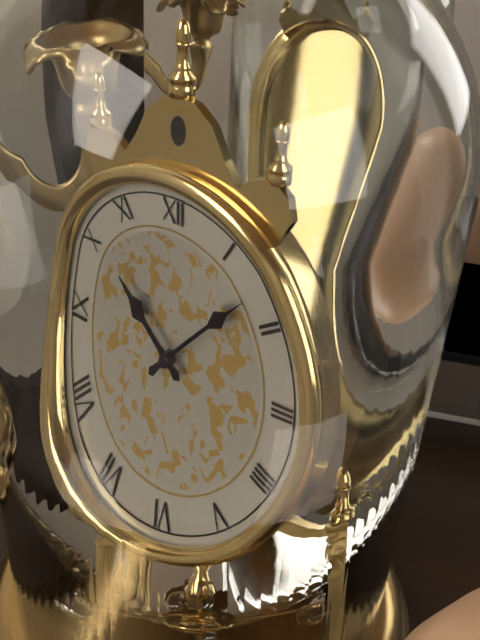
10:08
